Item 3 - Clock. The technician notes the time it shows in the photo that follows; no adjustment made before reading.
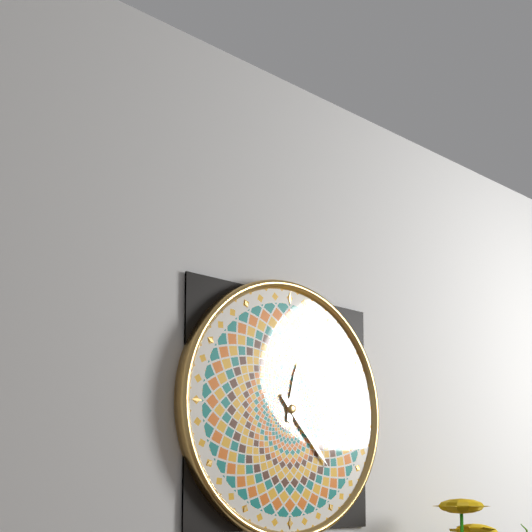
12:23
